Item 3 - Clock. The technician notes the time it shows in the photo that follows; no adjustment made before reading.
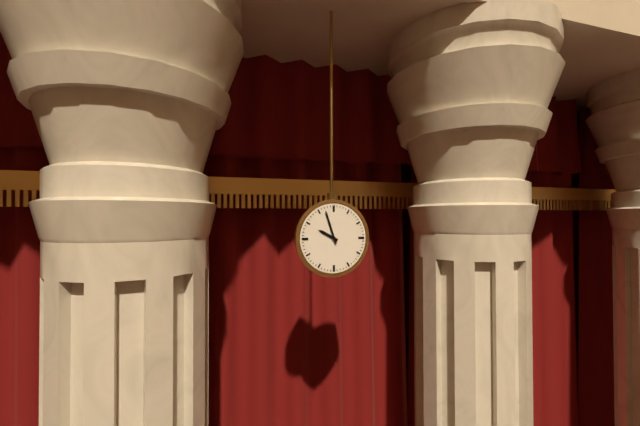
9:57
